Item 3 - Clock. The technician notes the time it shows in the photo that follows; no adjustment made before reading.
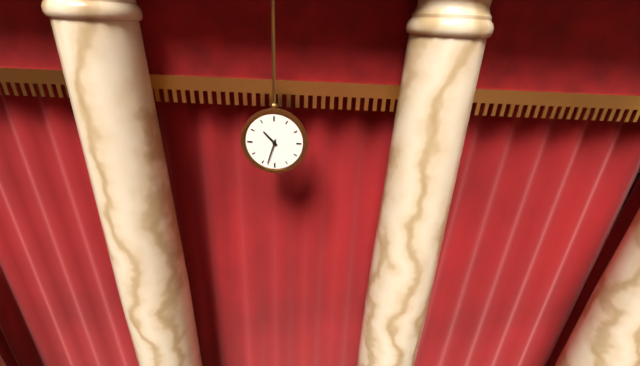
10:33
